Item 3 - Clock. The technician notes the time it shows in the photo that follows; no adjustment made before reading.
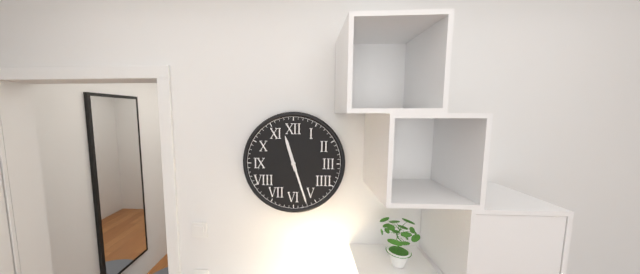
11:27
